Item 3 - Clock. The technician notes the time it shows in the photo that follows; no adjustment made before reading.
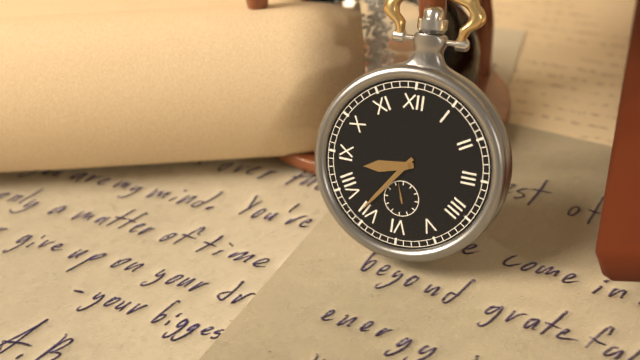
8:36
